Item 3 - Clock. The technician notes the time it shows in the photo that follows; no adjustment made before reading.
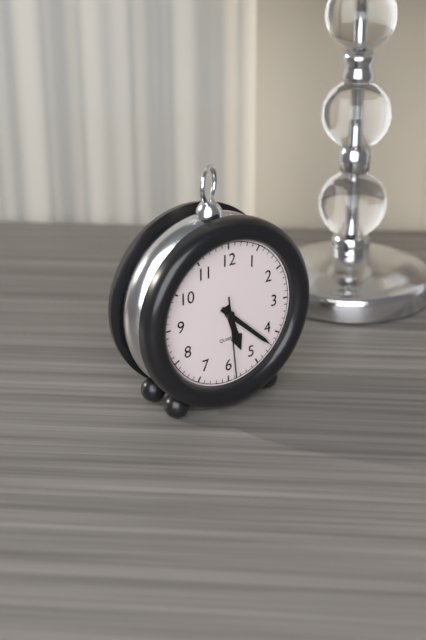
5:22:29
